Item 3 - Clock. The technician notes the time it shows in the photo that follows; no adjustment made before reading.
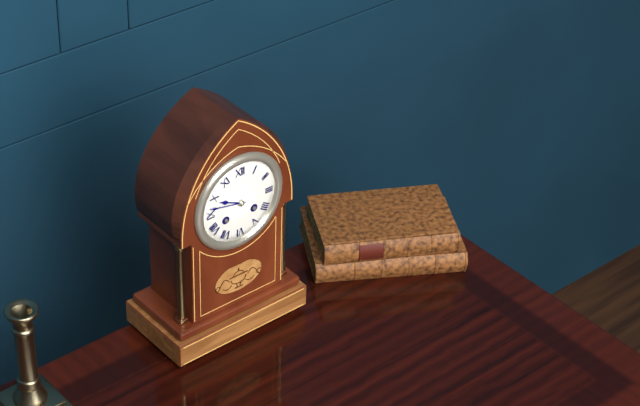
9:47
